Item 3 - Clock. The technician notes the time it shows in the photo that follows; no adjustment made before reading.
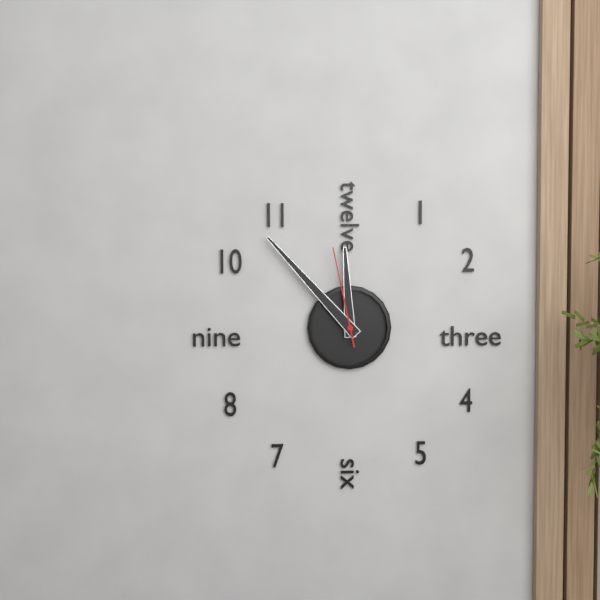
11:53:58
